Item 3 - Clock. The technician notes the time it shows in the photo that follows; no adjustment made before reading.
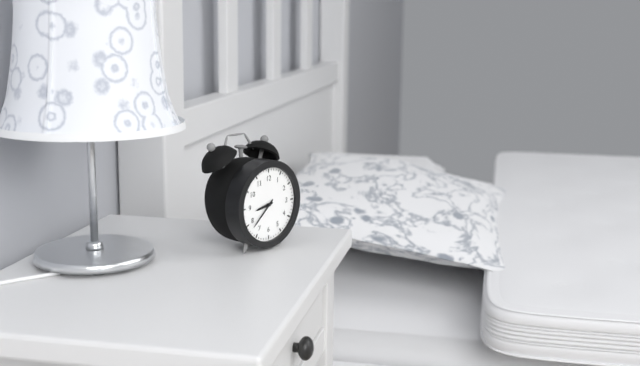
8:38
